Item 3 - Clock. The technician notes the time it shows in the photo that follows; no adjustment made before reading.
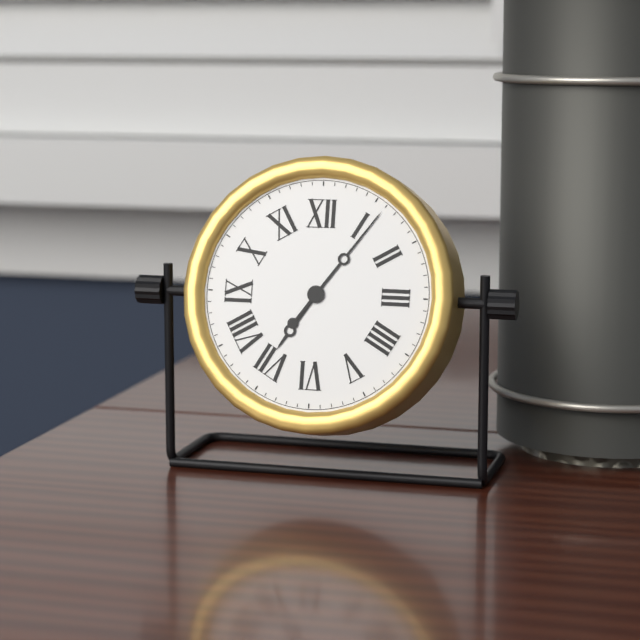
7:06
